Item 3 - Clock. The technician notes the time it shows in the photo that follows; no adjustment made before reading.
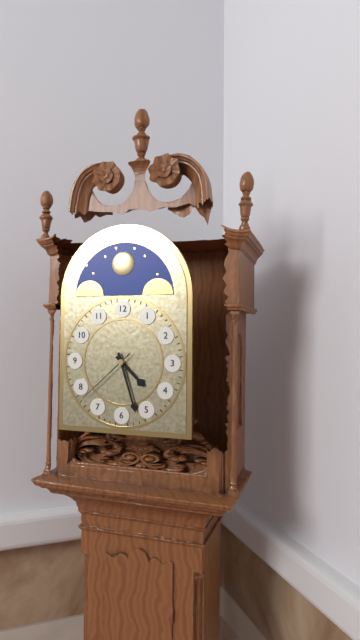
4:27:38
